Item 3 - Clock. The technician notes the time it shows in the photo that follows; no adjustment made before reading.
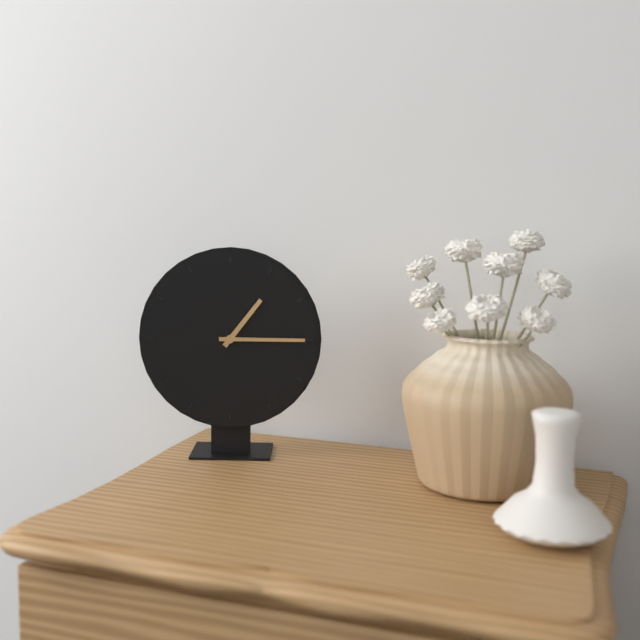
1:15
